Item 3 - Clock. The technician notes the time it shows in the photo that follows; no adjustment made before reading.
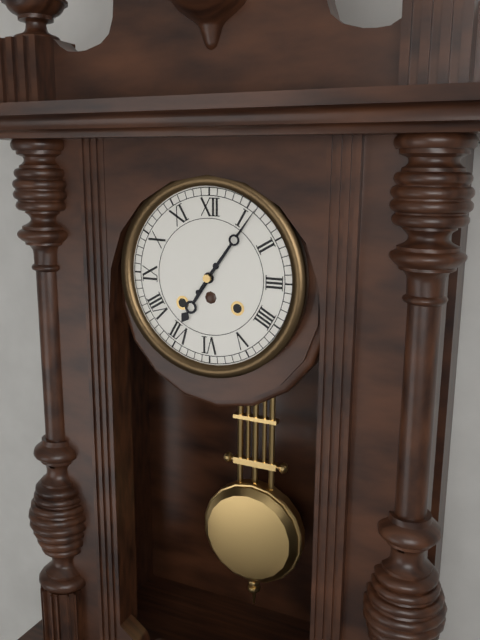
7:06
